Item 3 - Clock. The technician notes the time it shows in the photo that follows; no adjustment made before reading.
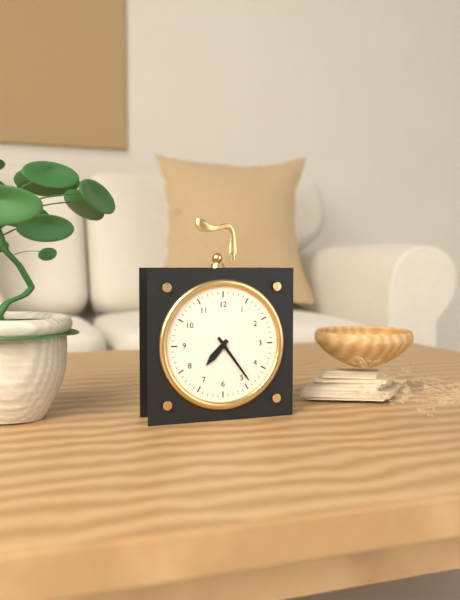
7:24
